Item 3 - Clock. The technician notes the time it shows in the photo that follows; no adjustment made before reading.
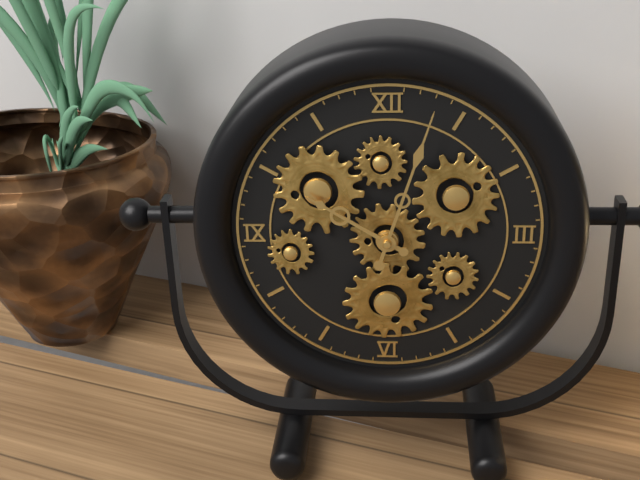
10:03
